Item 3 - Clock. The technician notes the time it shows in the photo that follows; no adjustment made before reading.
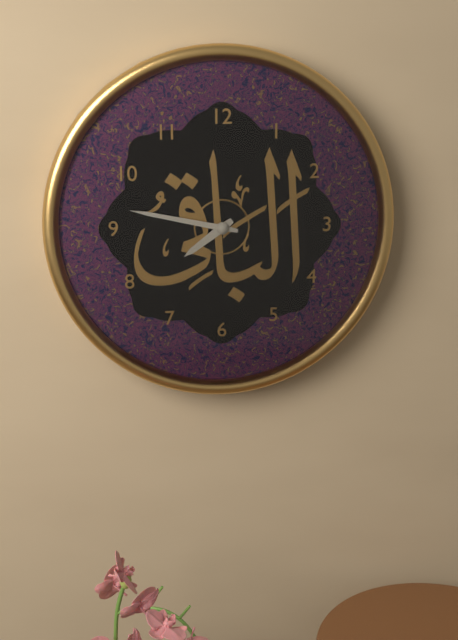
7:47
